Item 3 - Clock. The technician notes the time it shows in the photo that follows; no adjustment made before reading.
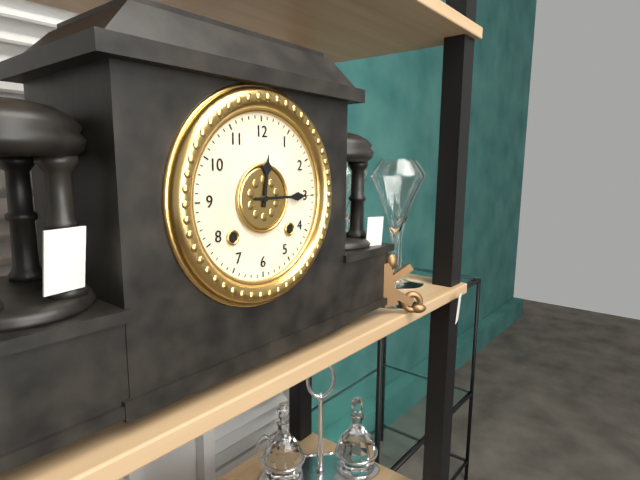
12:15
